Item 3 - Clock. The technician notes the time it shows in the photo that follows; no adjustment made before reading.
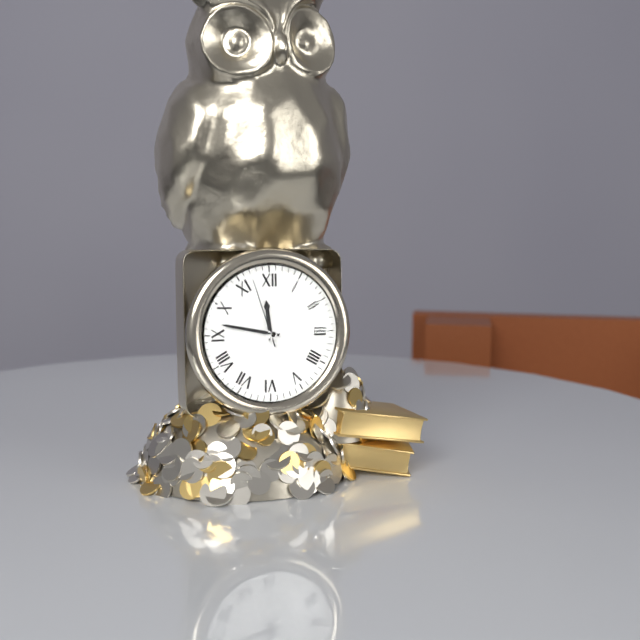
11:47:57
